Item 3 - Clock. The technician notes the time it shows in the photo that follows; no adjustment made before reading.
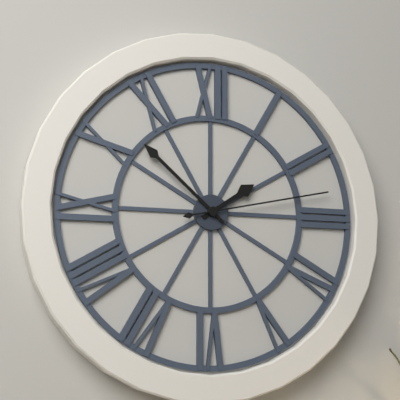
1:52:13
